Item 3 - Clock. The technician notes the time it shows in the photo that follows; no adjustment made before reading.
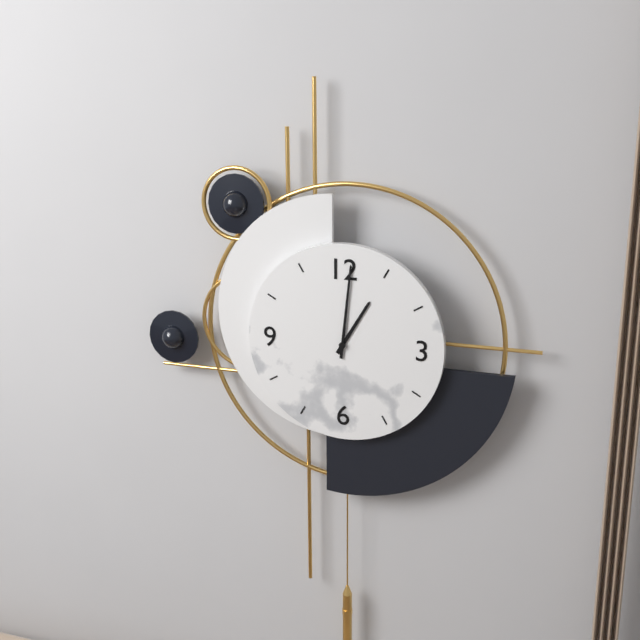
1:01
